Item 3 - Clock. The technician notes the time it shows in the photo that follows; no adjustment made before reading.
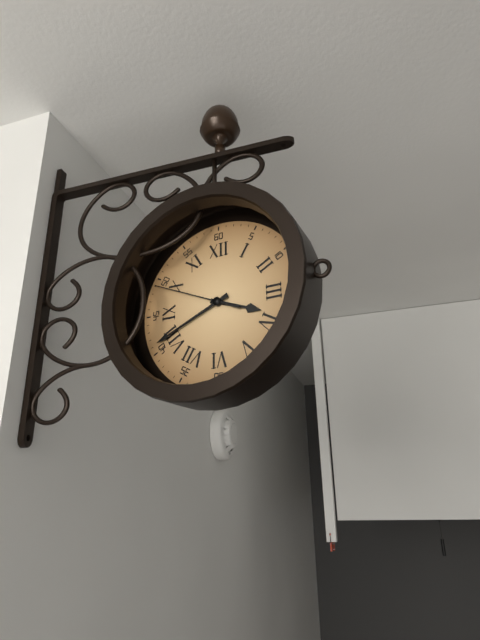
3:41:49
